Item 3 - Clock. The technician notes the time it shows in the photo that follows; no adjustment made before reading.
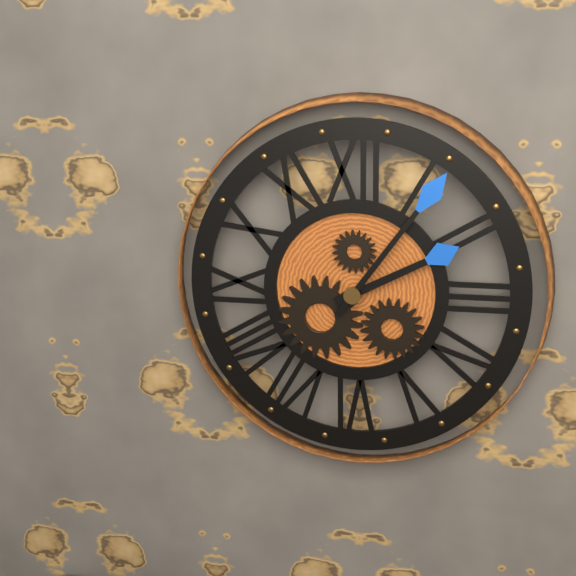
2:06
